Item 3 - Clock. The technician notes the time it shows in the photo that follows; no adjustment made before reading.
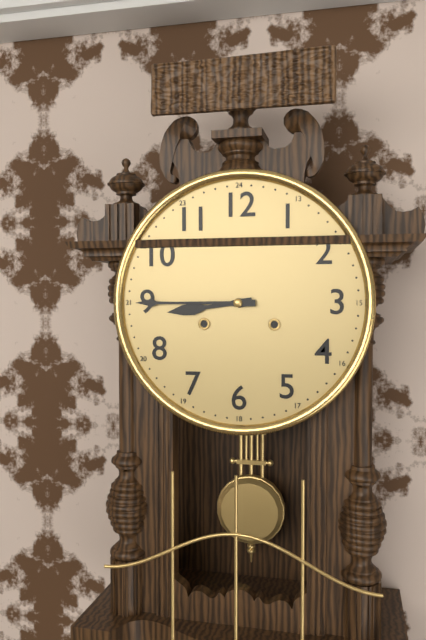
8:45
